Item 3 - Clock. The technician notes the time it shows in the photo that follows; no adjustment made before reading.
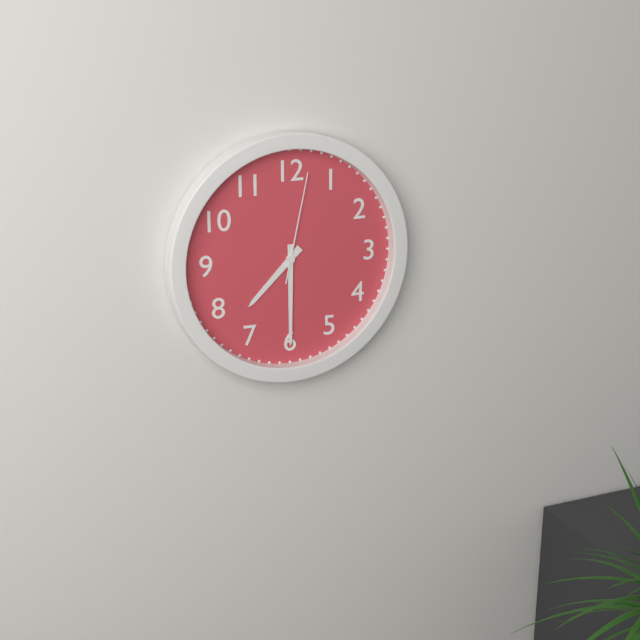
7:30:02
